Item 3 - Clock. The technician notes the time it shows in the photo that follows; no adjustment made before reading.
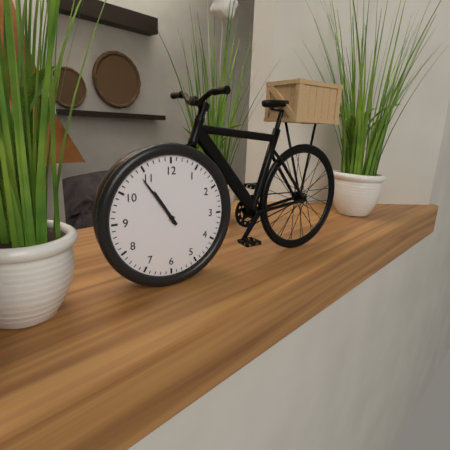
10:54
